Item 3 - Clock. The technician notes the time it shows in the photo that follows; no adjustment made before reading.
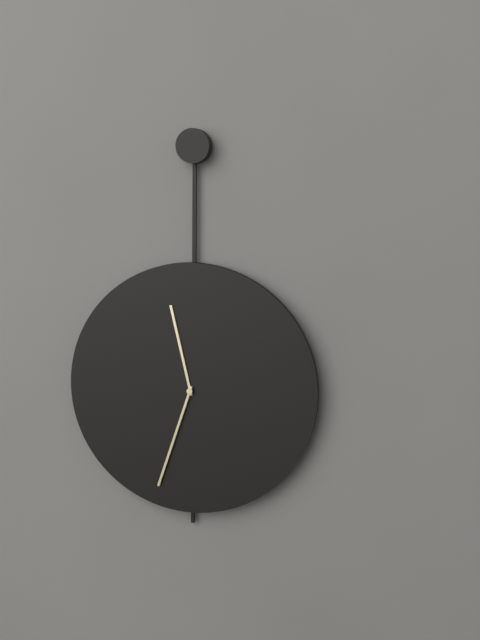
11:33
